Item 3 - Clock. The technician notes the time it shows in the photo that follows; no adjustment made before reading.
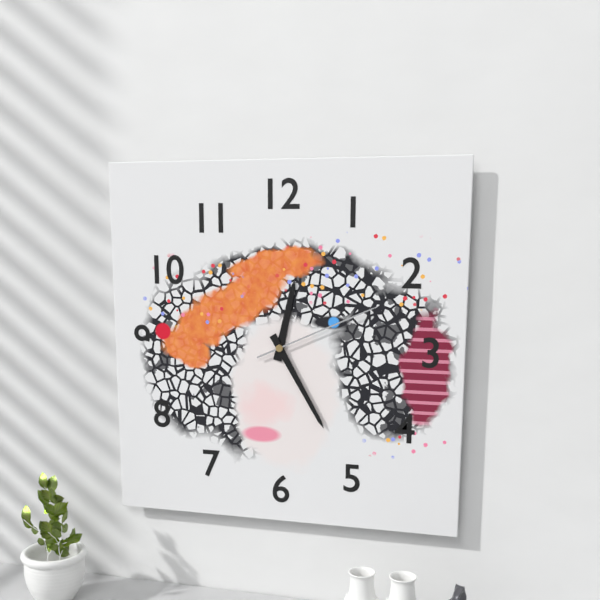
12:25:11
